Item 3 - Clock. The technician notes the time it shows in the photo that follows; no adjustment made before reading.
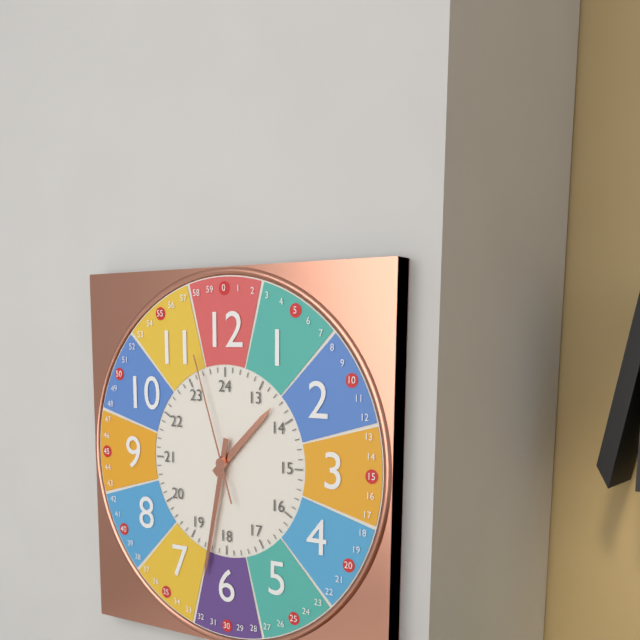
1:32:57
